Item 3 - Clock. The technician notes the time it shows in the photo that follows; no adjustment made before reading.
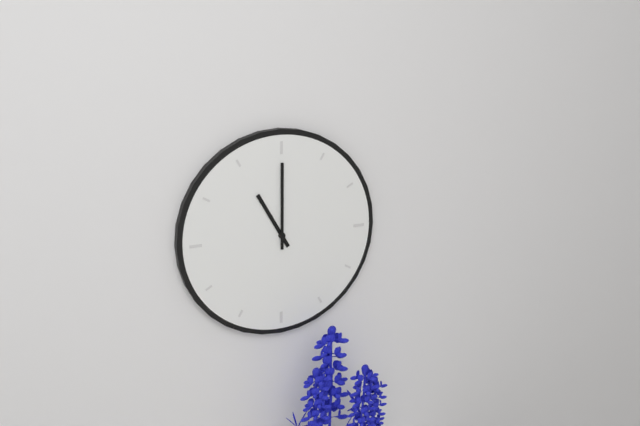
11:00
